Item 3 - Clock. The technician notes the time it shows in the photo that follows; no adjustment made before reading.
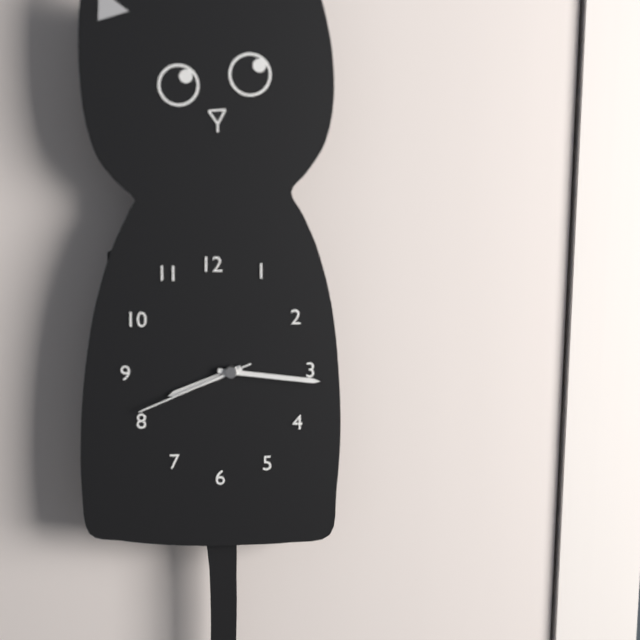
8:16:41
